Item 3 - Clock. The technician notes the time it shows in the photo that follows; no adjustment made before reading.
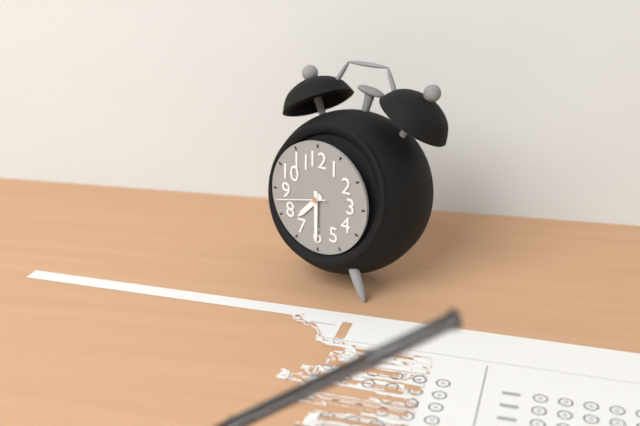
7:30:43
